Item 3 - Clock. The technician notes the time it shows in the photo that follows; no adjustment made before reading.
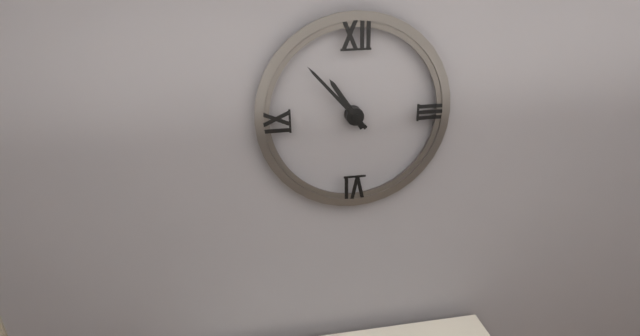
10:53
